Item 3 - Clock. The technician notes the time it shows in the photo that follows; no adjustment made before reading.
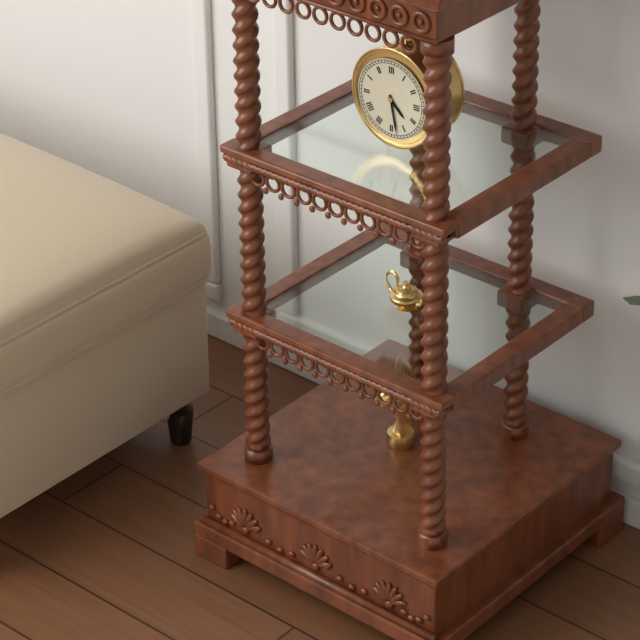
4:28
